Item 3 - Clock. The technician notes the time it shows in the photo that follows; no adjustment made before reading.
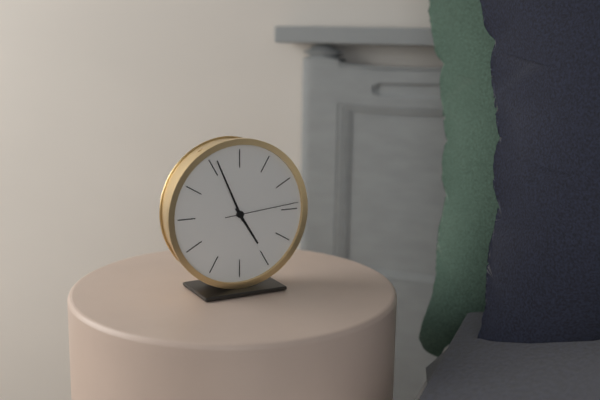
4:56:14
